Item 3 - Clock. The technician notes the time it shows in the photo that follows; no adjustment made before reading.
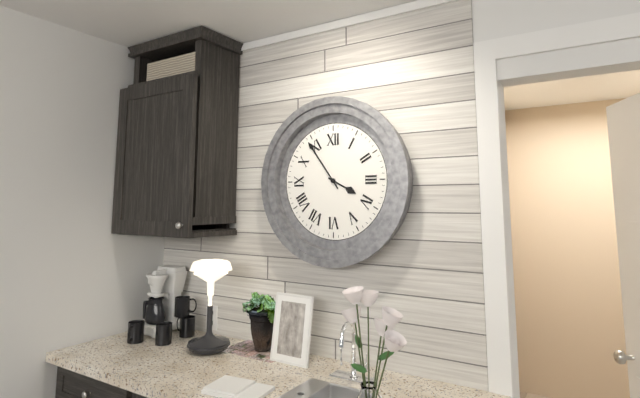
3:54
